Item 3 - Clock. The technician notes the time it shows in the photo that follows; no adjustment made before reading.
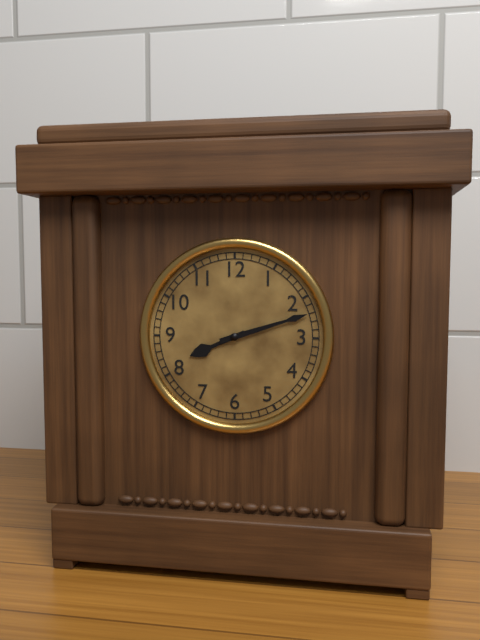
8:12
